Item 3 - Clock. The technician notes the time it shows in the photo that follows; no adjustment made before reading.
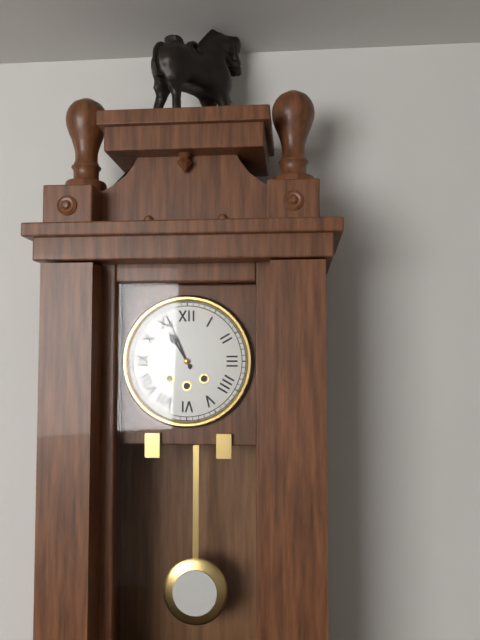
10:56
